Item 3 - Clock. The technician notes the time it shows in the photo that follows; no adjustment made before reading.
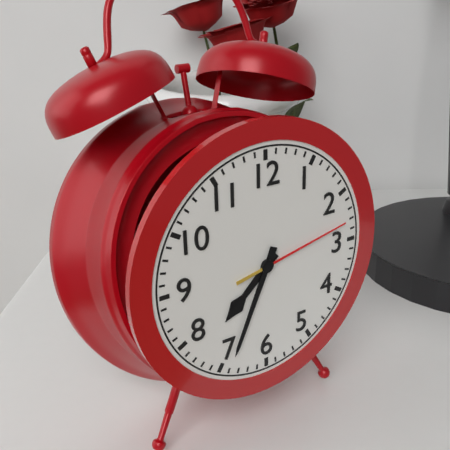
7:34:13
